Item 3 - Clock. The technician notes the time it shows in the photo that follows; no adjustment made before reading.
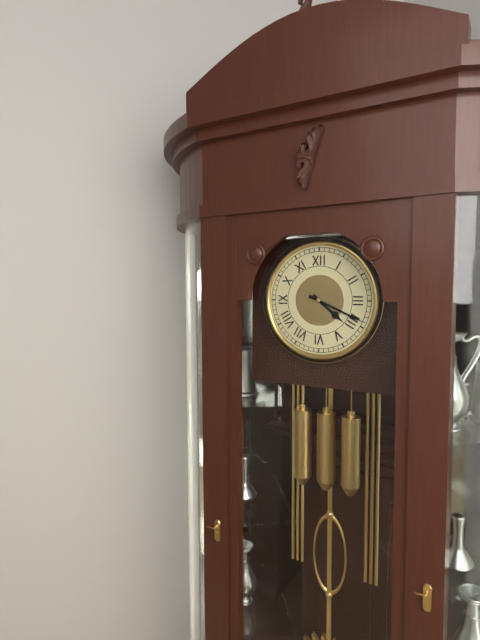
4:19
